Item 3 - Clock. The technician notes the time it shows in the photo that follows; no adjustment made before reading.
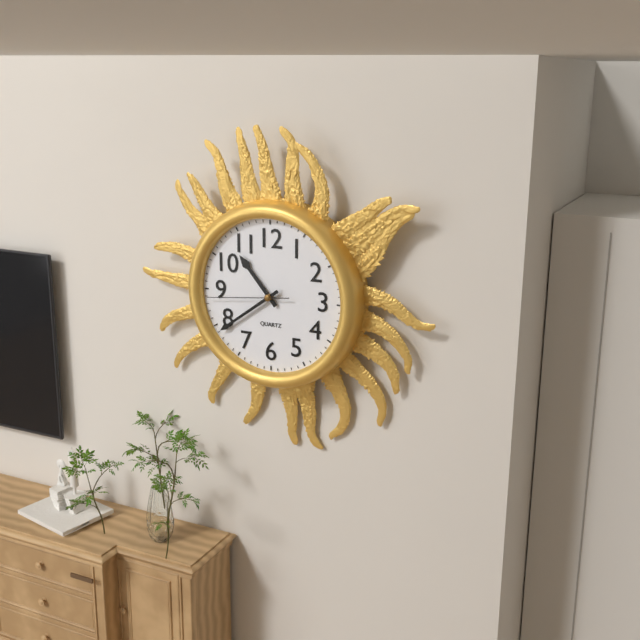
10:39:44
